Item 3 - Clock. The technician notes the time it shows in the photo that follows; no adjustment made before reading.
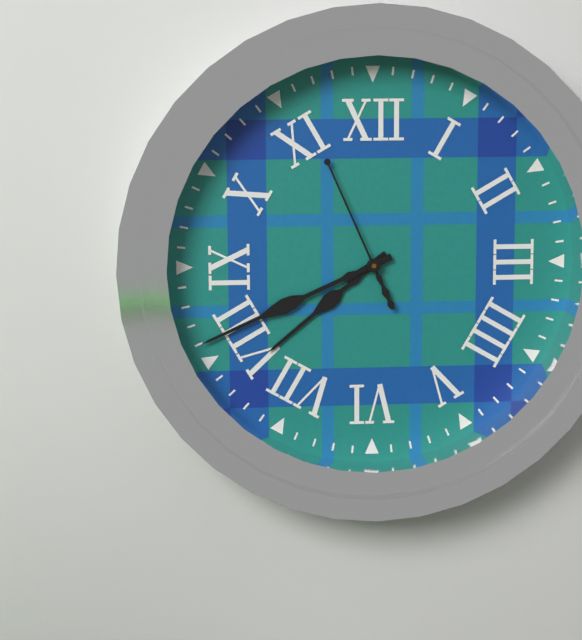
7:41:56
